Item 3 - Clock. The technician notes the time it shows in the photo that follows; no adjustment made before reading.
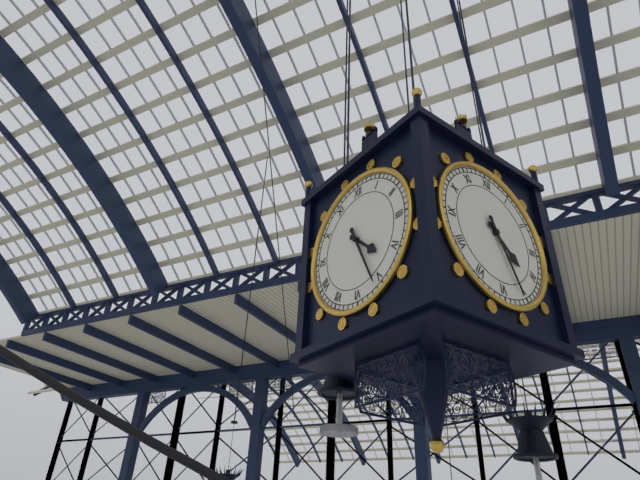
4:26
